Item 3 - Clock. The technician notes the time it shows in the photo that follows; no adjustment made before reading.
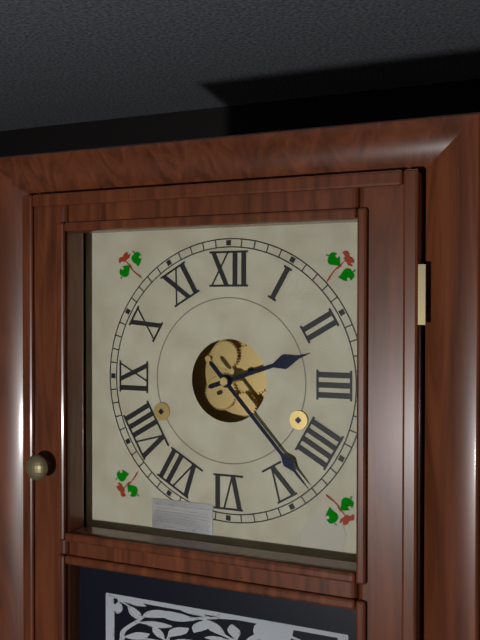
2:23
